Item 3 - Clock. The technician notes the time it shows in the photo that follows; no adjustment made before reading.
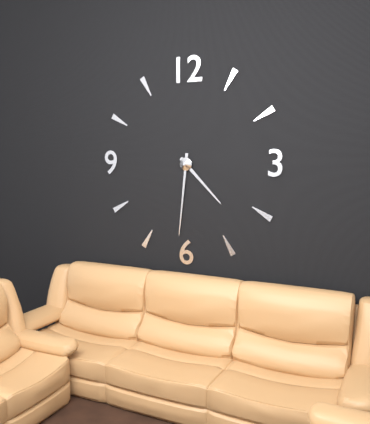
4:31
